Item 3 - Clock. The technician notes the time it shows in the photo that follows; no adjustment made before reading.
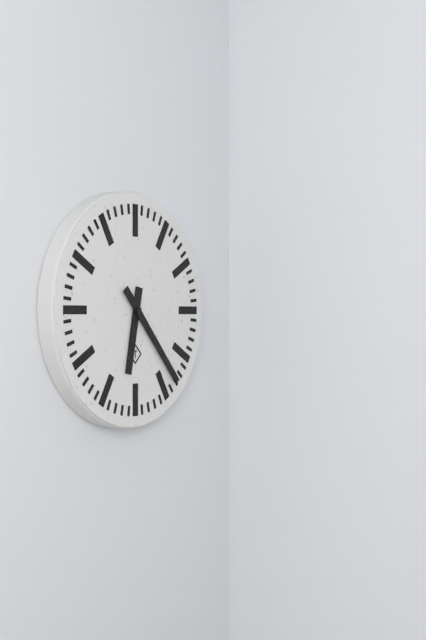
6:23
